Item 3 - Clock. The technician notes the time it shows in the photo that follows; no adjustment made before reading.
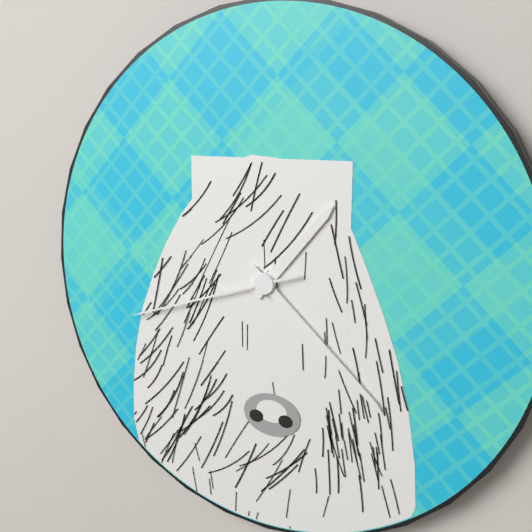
1:22:42
